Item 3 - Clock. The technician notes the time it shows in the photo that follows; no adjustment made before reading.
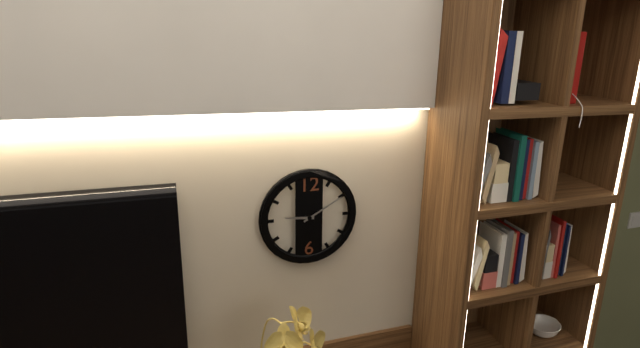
9:10
